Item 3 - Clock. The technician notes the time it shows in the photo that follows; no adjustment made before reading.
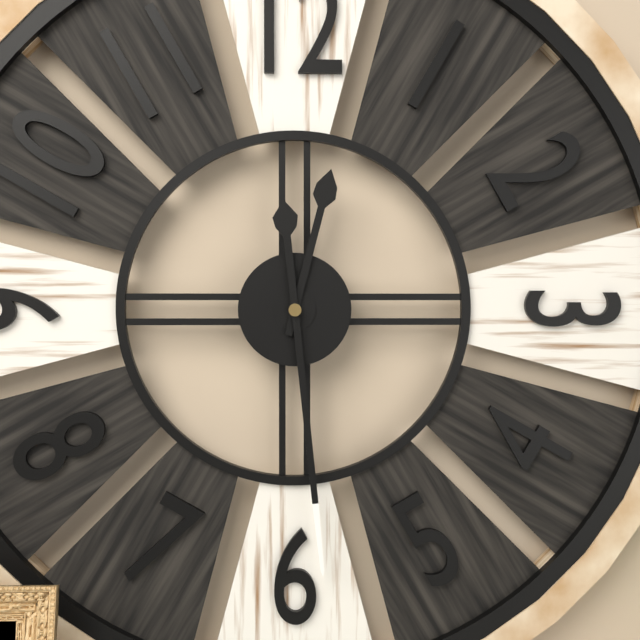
12:29
